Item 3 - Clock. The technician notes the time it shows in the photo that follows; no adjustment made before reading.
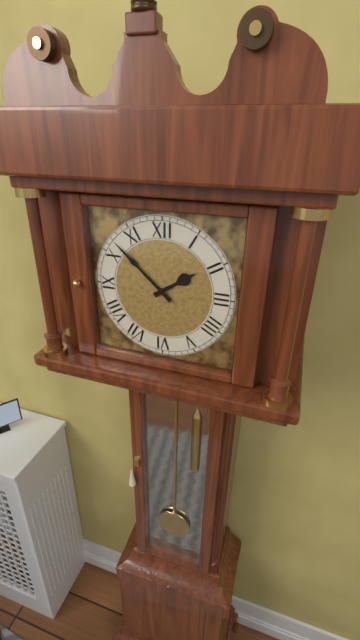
1:52
